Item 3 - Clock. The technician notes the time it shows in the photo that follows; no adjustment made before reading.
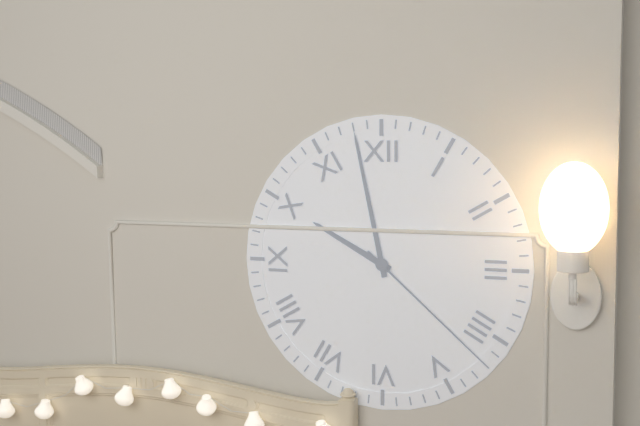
9:58:22
